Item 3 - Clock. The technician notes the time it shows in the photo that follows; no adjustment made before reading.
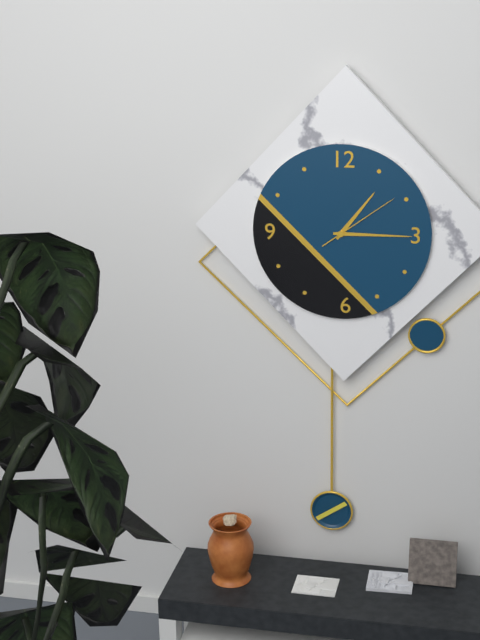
1:15:09
